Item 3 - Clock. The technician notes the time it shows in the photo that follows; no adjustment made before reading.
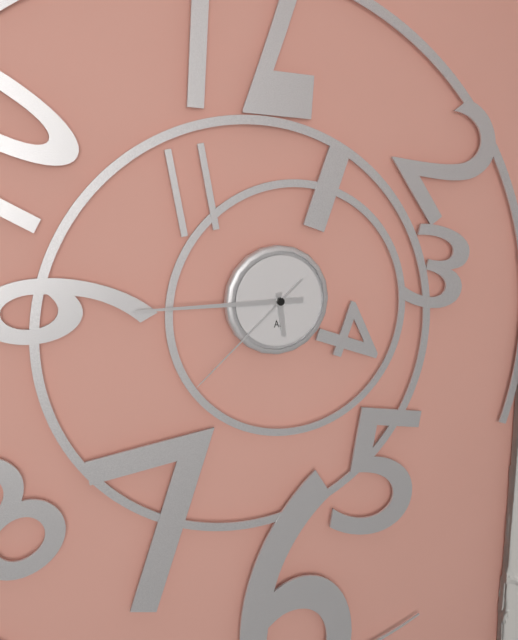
5:45:38
